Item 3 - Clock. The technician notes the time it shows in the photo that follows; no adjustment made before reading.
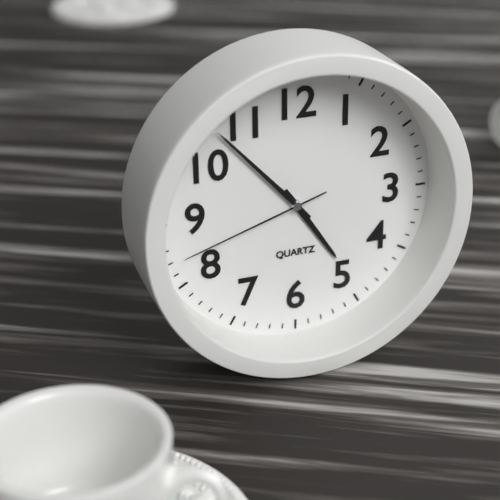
4:53:42
